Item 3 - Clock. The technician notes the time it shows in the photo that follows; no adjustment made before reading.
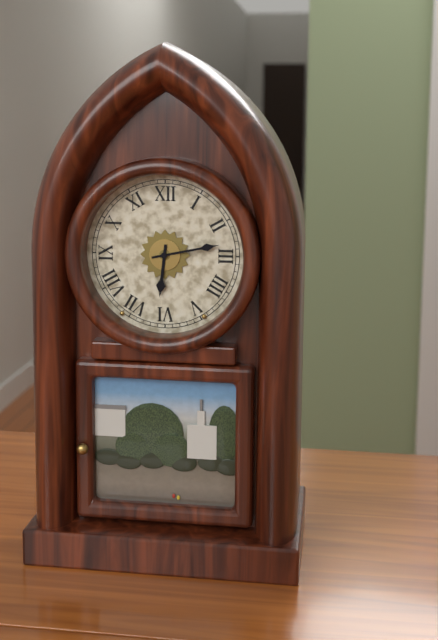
6:13
